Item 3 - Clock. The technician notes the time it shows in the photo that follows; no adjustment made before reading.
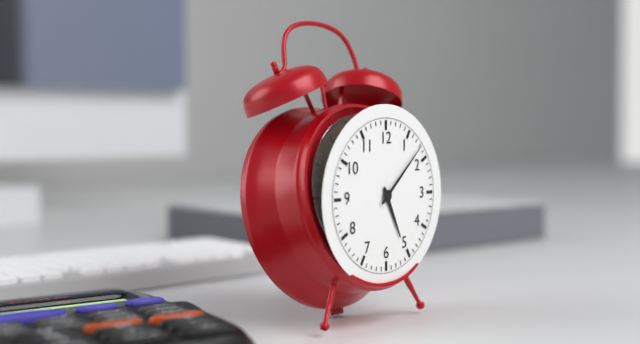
5:08
